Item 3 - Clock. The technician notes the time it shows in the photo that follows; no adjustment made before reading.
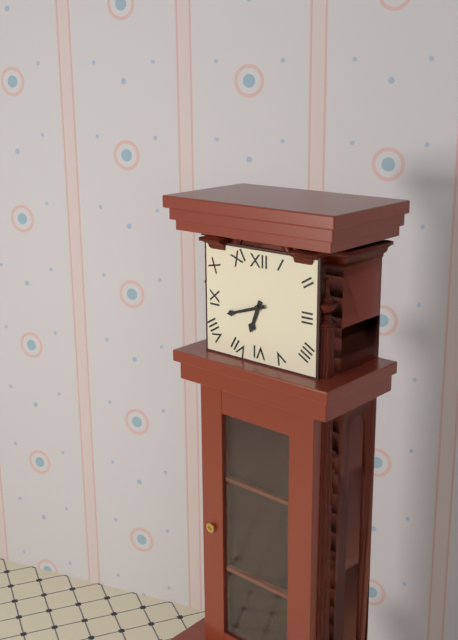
6:42
